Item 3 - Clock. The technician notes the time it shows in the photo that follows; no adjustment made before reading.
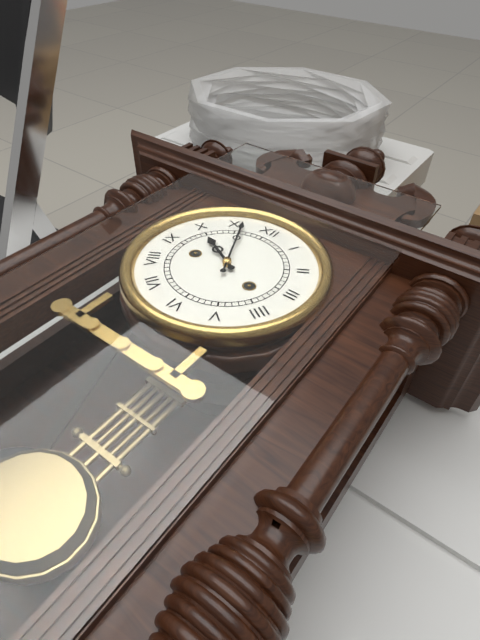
9:56
